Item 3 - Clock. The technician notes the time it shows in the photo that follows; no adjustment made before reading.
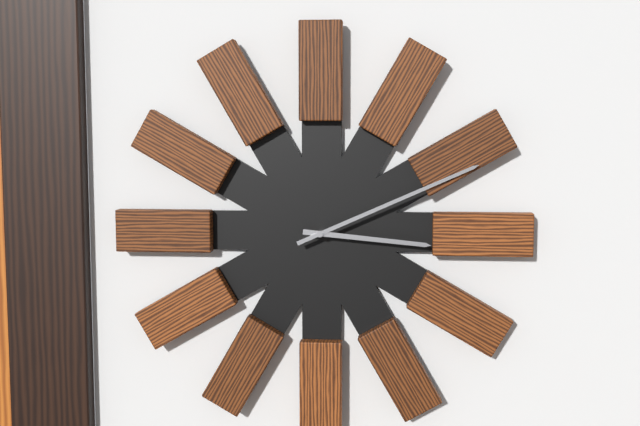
3:11
